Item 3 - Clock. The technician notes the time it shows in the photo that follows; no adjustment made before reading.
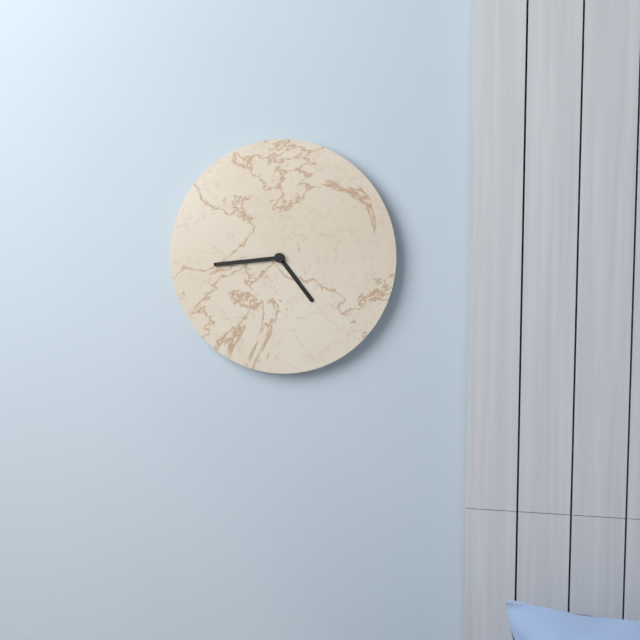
4:44
